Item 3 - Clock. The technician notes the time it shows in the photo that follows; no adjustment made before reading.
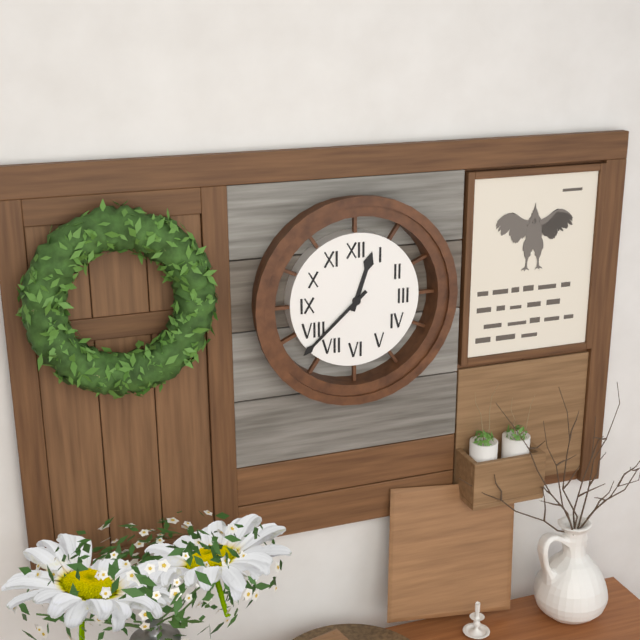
12:38
